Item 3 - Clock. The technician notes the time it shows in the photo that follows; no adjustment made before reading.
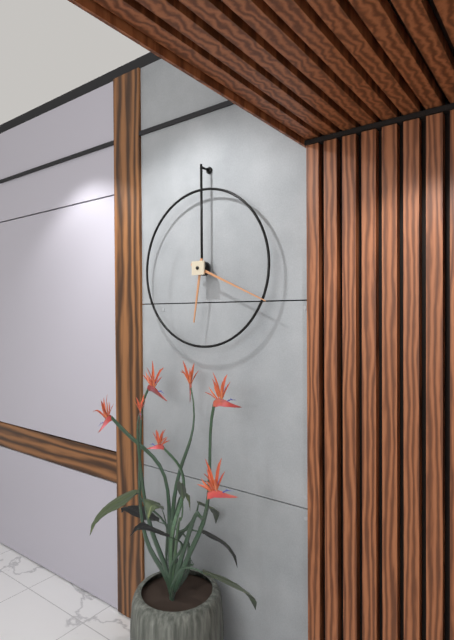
6:19
